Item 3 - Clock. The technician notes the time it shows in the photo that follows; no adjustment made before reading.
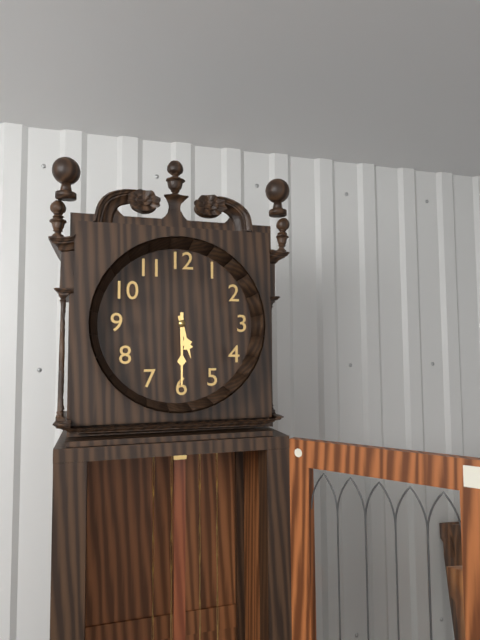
5:30
